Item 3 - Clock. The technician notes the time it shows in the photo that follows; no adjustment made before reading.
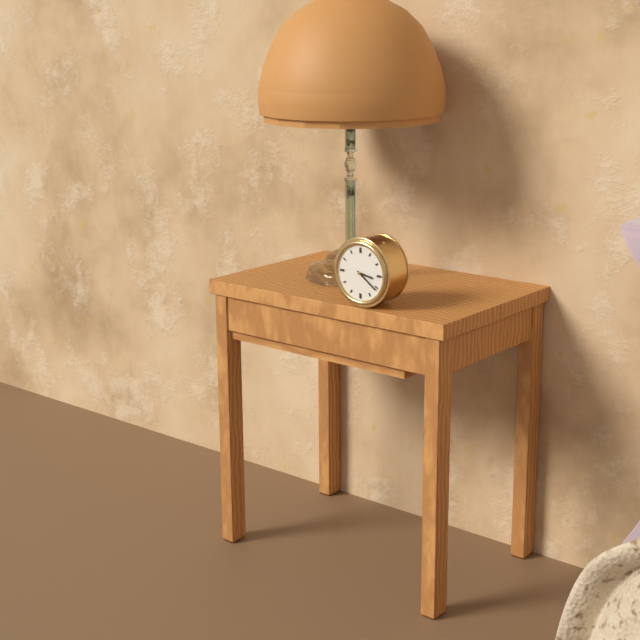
3:21
